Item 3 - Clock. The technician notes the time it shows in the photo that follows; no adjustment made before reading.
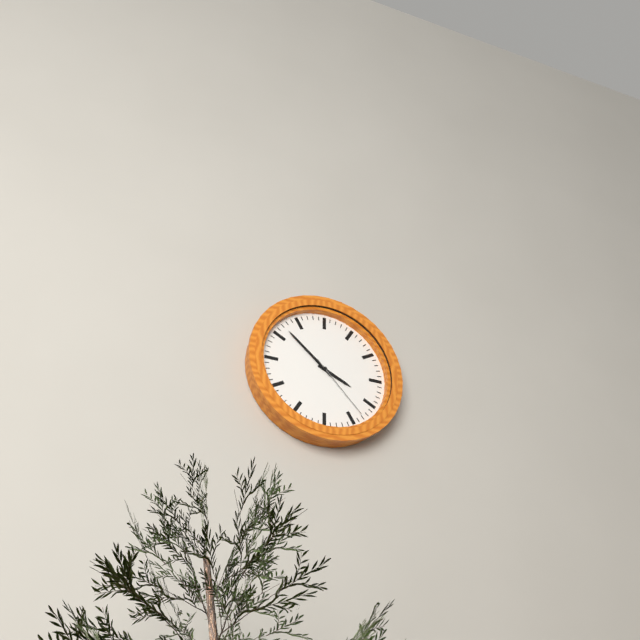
3:52:23
